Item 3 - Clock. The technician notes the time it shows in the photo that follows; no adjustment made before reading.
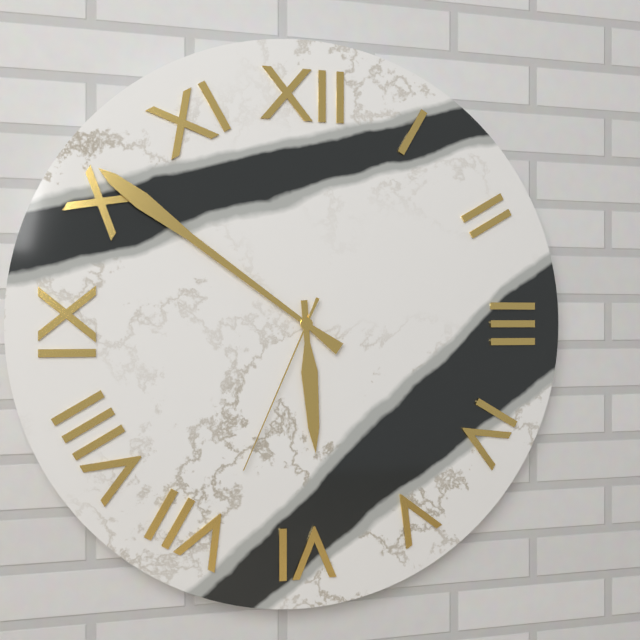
5:51:34
